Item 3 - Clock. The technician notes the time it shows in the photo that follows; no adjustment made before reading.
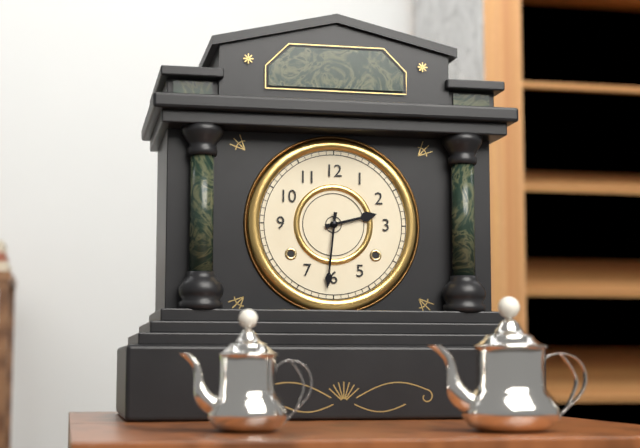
2:31
